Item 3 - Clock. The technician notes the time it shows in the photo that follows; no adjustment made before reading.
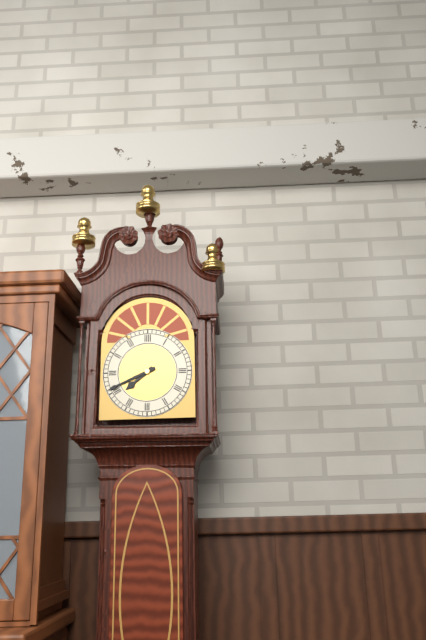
7:41
